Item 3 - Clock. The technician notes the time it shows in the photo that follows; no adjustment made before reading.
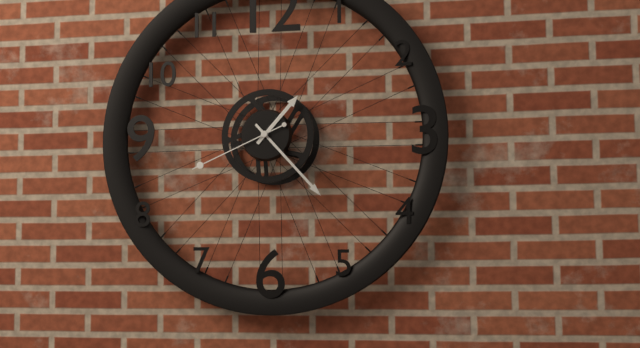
1:23:41
